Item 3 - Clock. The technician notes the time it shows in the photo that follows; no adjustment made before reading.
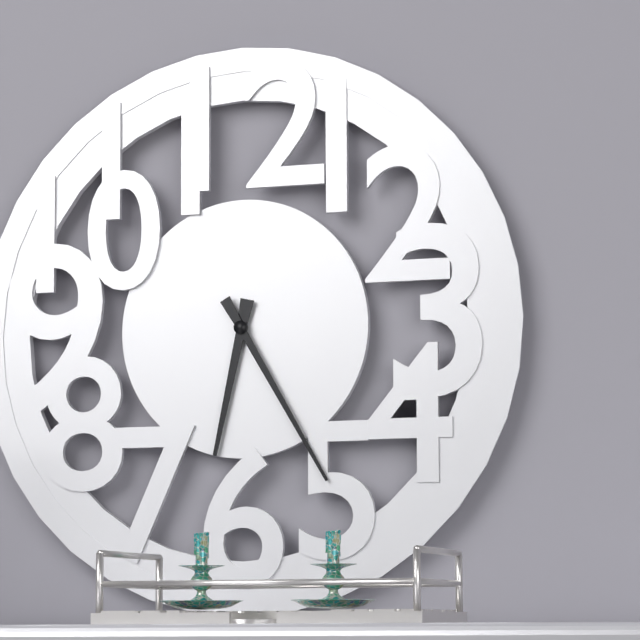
6:25
